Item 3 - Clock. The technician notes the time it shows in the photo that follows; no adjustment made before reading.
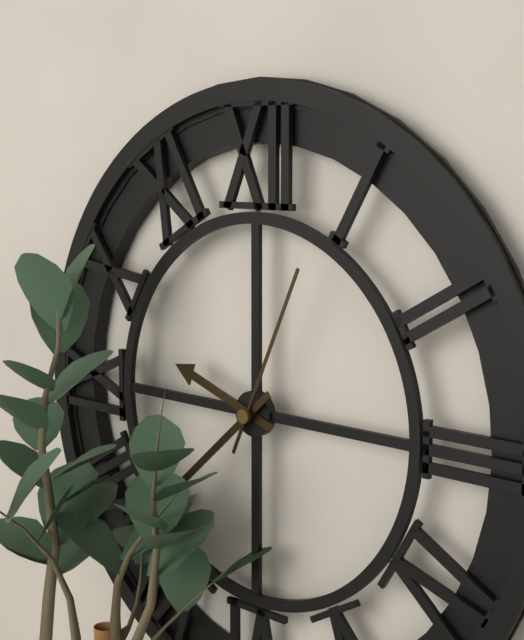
9:38:04
